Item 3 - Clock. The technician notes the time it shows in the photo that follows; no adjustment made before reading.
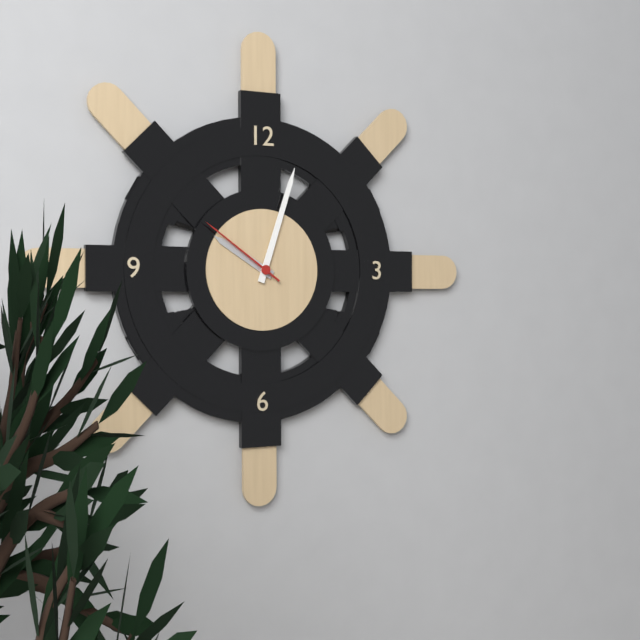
10:03:51
